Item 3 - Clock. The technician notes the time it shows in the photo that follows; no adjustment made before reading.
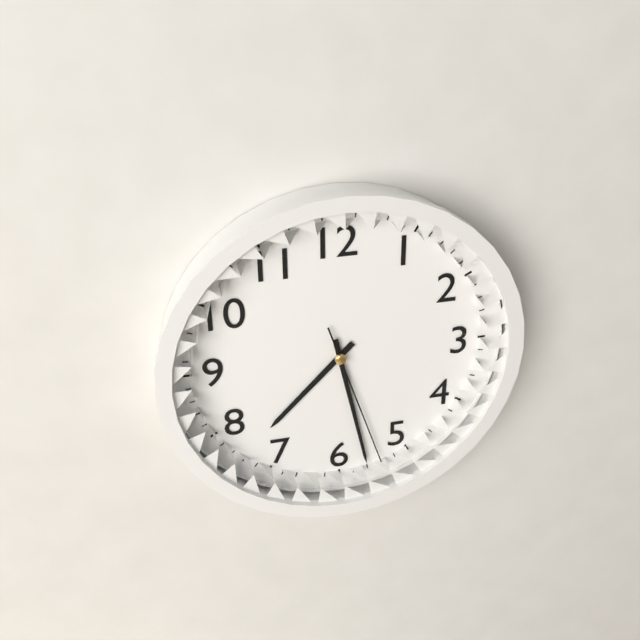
7:28:27
